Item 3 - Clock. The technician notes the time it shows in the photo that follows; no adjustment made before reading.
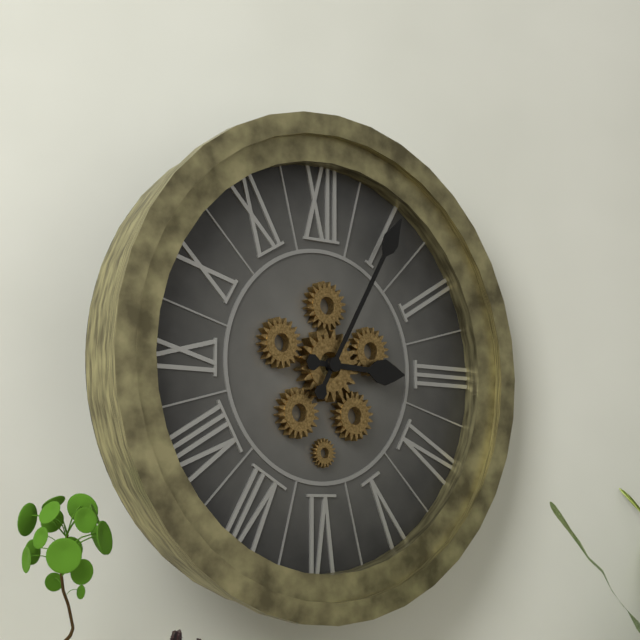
3:05
